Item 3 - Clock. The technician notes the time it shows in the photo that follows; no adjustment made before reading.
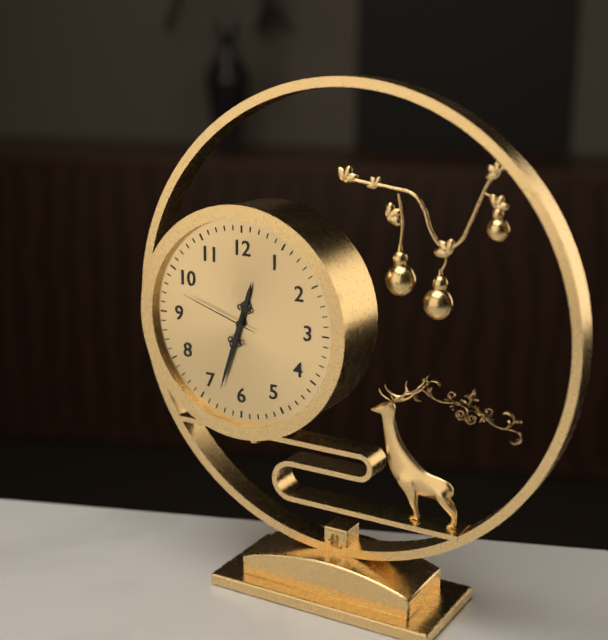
12:33:48
